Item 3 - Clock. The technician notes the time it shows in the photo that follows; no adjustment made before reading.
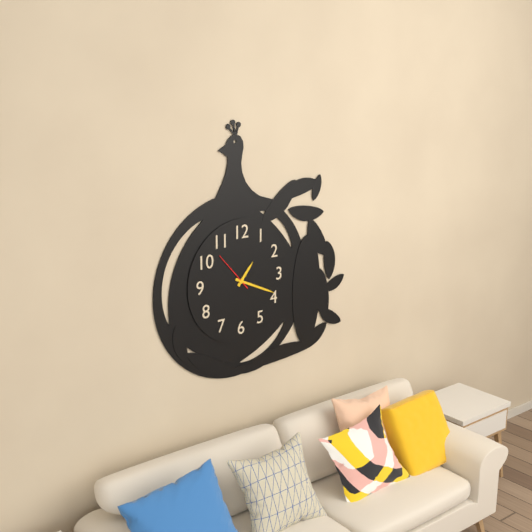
1:19
